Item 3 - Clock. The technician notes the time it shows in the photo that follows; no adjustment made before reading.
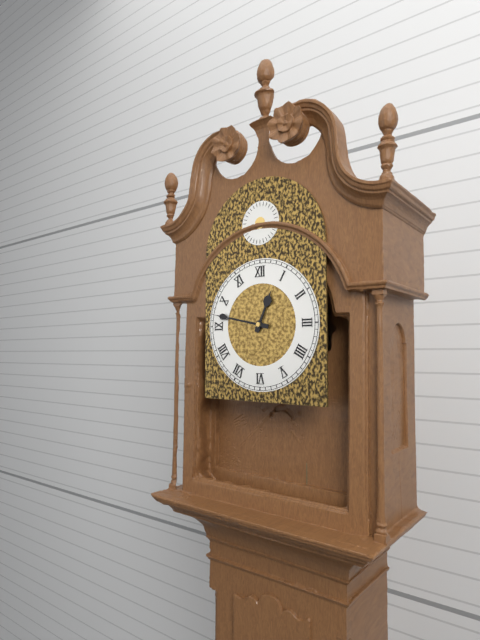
12:47
